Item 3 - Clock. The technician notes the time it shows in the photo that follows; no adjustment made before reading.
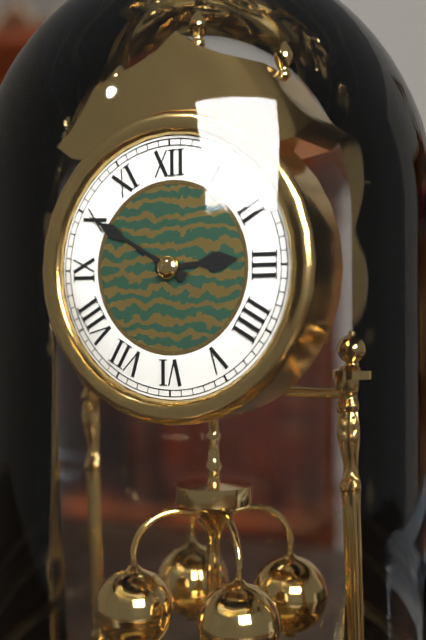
2:50
